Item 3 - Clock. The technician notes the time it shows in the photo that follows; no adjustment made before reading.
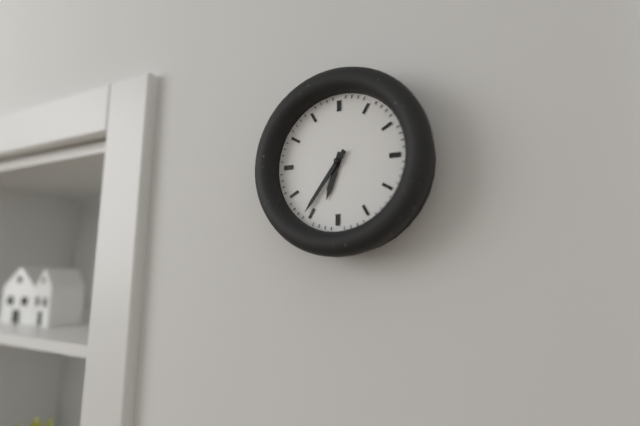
6:36
